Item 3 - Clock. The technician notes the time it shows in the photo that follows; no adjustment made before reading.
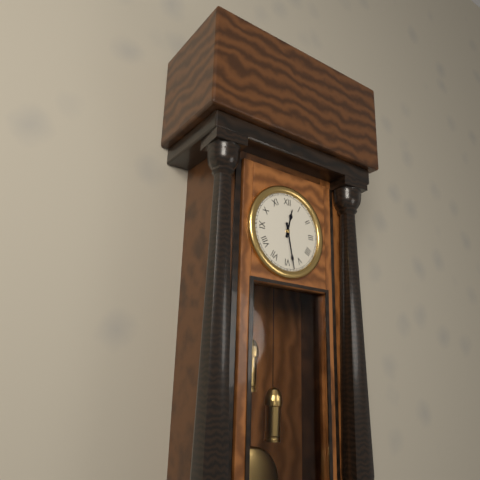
12:28
